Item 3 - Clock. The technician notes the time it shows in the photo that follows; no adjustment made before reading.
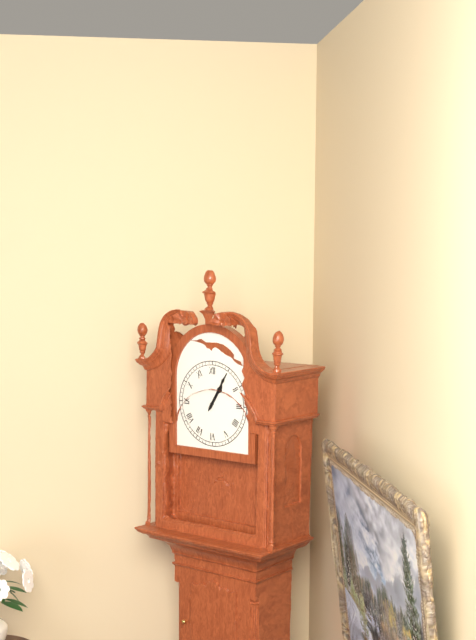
1:05
